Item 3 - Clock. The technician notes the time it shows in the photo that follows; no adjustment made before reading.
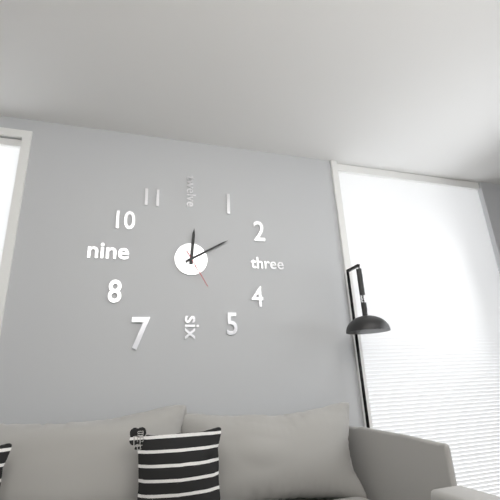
12:10
